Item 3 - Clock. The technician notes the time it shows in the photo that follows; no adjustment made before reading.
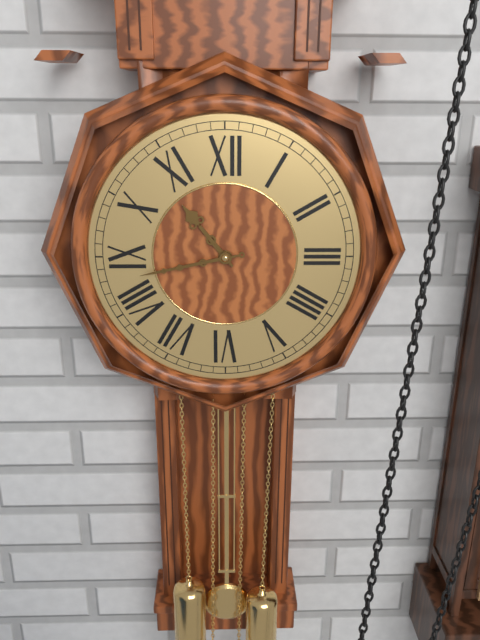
10:43
